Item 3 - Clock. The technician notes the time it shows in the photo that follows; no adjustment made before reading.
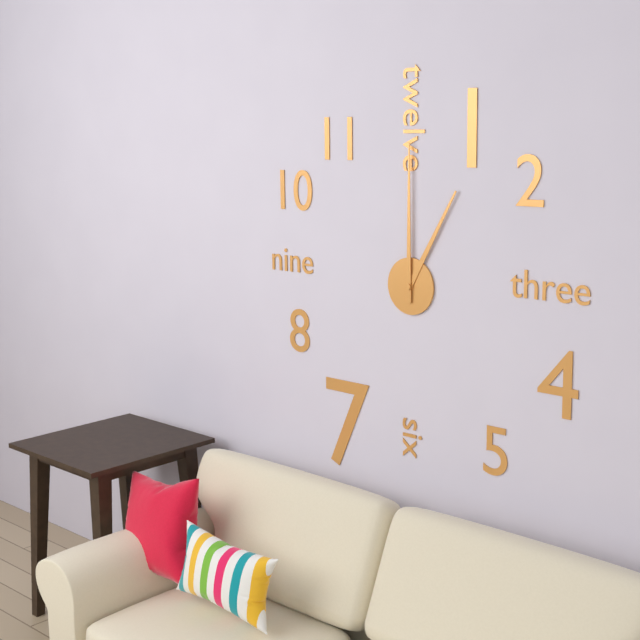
1:00
